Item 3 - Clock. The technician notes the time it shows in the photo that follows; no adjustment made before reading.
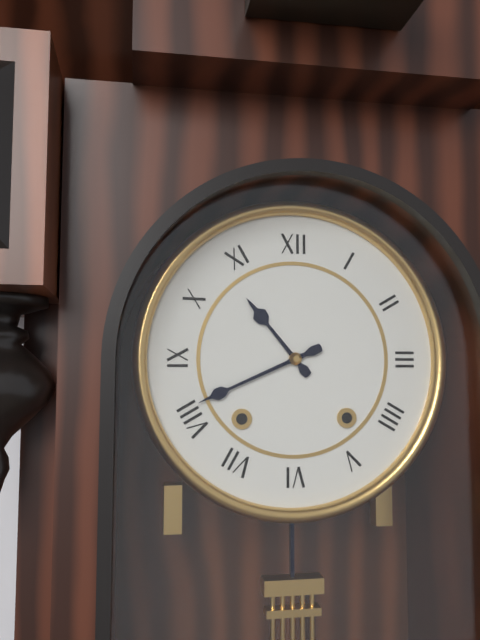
10:41
